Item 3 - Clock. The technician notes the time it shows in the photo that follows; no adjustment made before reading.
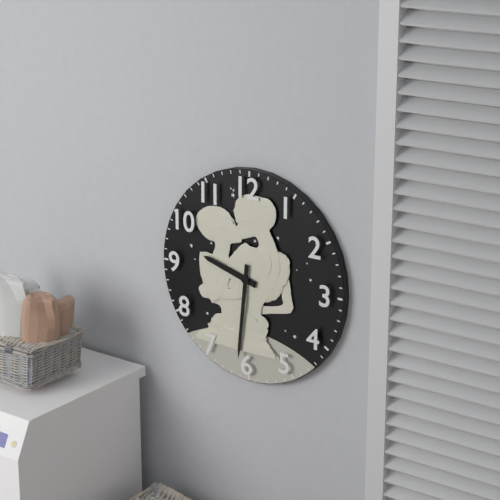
9:31
